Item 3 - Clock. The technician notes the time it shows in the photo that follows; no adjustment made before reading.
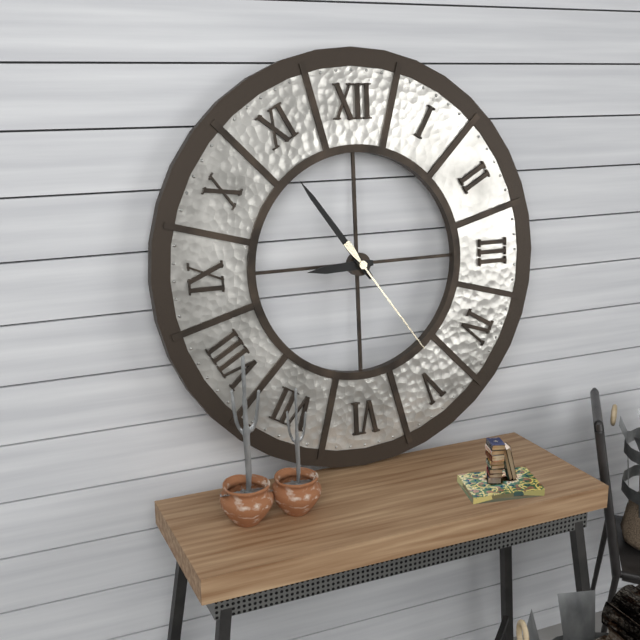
8:54:24
